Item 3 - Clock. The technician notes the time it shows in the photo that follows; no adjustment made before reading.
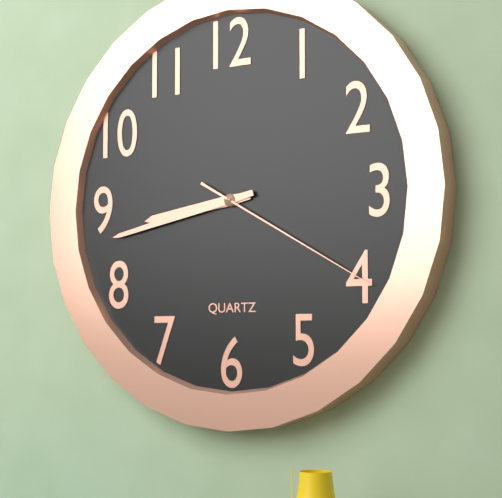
8:43:20
